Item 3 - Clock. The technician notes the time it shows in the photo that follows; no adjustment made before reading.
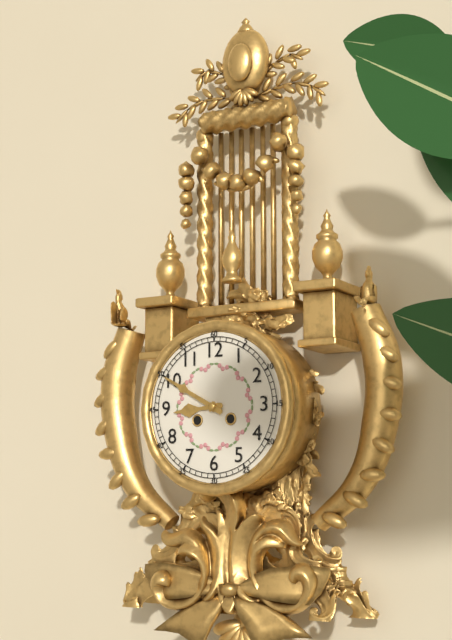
8:50
